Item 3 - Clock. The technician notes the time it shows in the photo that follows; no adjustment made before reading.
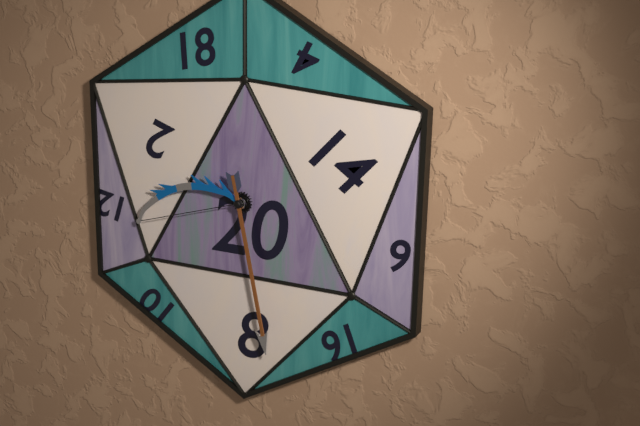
8:28
